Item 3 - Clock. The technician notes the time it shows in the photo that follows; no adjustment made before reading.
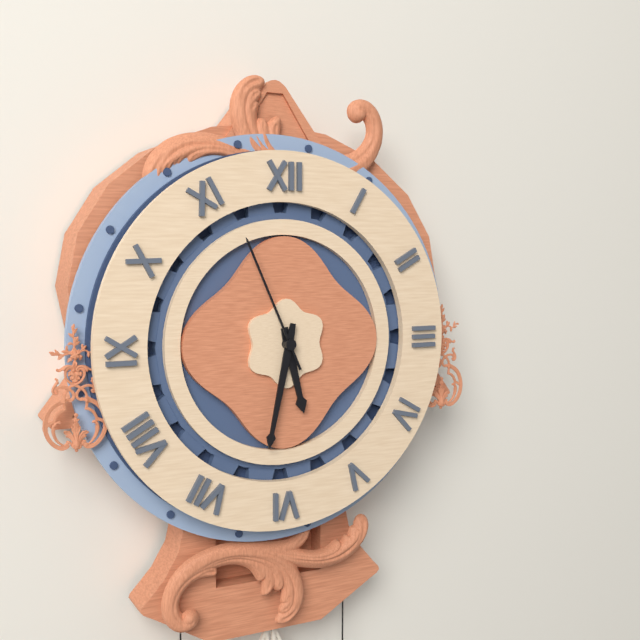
5:32:56
